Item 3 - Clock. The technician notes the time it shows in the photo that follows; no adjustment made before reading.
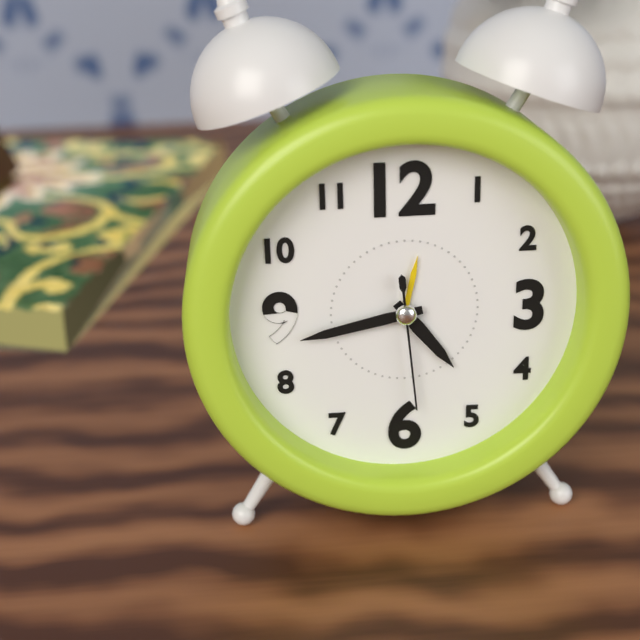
4:43:29
